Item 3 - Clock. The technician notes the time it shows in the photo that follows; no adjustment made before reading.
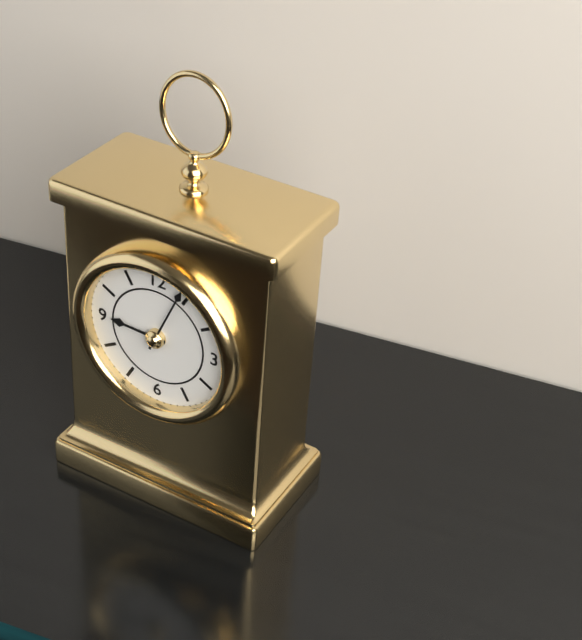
9:04
